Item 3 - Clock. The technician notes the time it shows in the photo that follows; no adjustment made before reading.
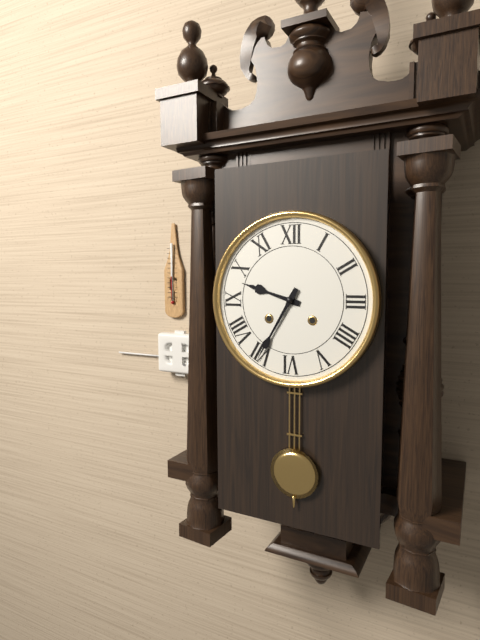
9:35
